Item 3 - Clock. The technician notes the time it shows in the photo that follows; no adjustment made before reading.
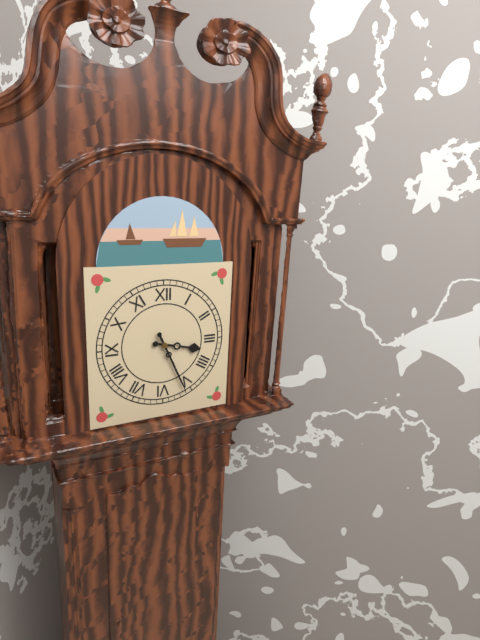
3:26
